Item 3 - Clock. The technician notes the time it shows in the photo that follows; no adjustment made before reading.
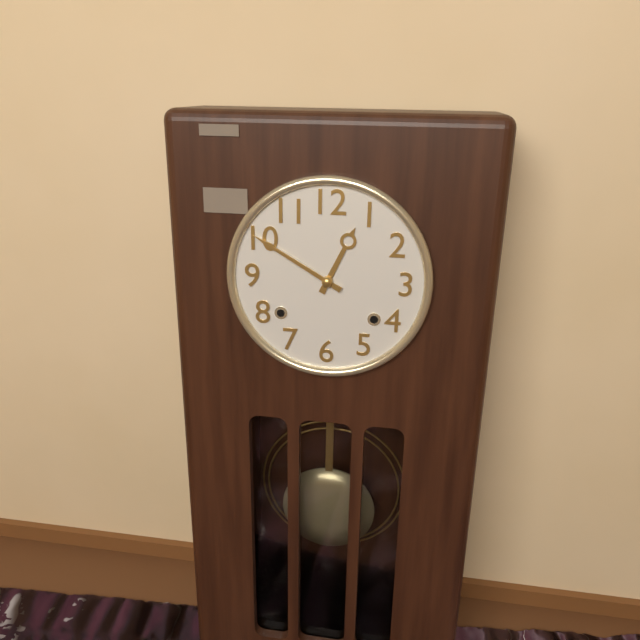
12:50
